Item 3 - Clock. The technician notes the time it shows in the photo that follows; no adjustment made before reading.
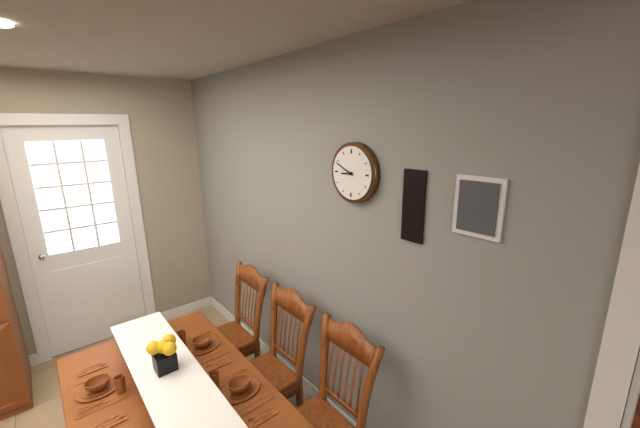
8:49
